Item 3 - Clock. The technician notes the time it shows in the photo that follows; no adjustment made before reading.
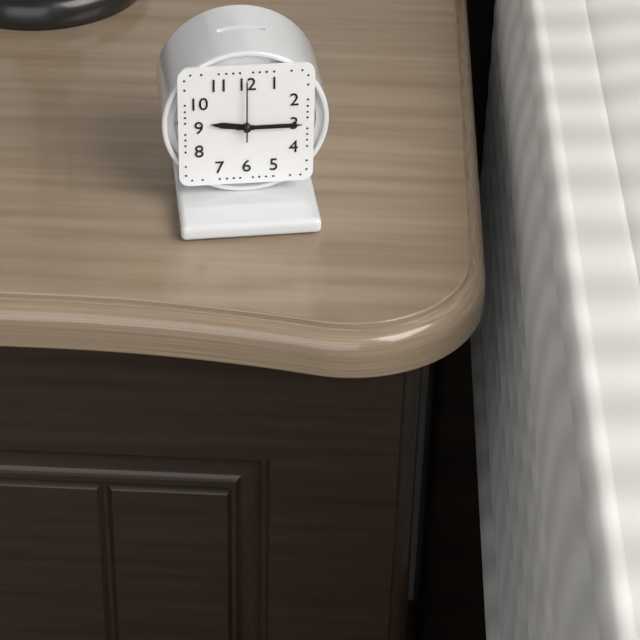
9:15:00
